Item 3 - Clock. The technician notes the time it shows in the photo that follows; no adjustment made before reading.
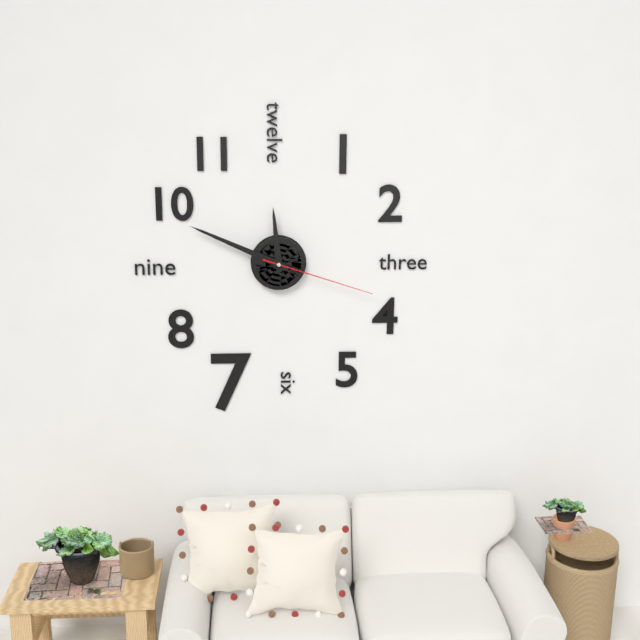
11:49:18
